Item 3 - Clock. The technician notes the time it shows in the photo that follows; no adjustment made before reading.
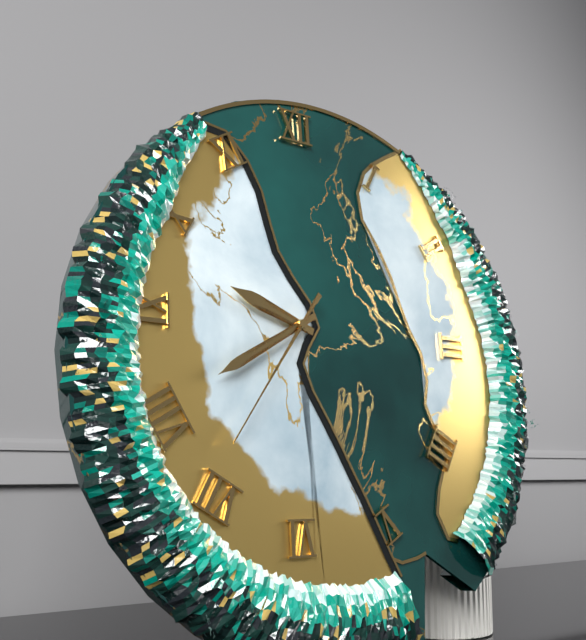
9:40:36
